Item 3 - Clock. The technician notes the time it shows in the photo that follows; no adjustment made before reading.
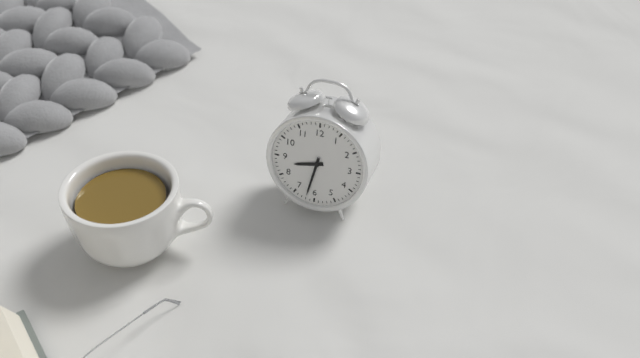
8:32
